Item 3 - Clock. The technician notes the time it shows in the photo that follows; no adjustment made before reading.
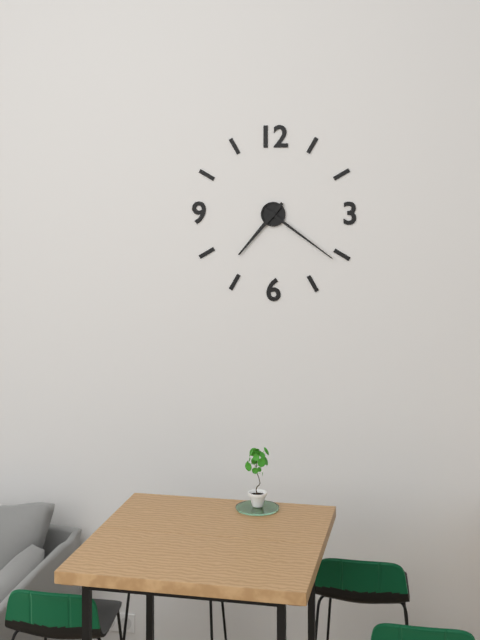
7:21
